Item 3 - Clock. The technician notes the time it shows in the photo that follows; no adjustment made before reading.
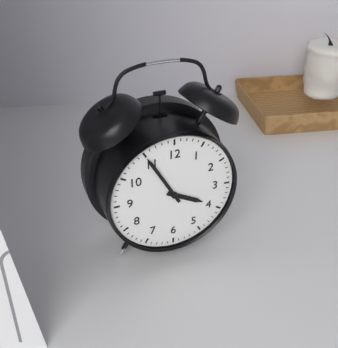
3:55
